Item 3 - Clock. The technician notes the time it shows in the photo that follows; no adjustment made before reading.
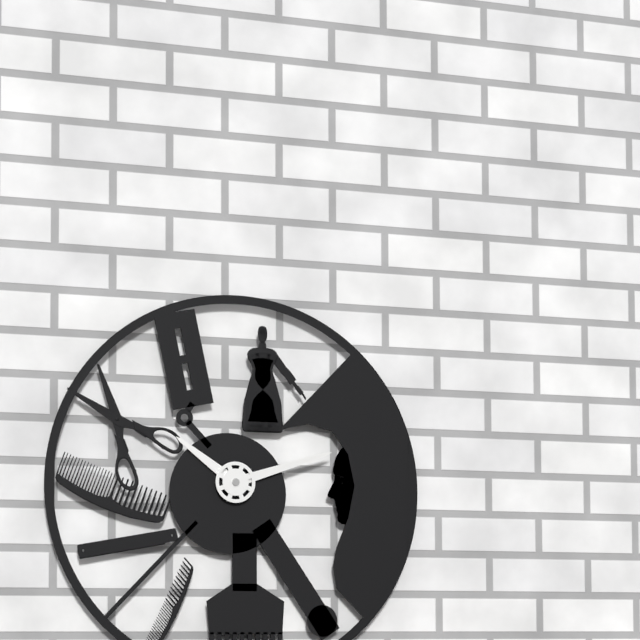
10:12
